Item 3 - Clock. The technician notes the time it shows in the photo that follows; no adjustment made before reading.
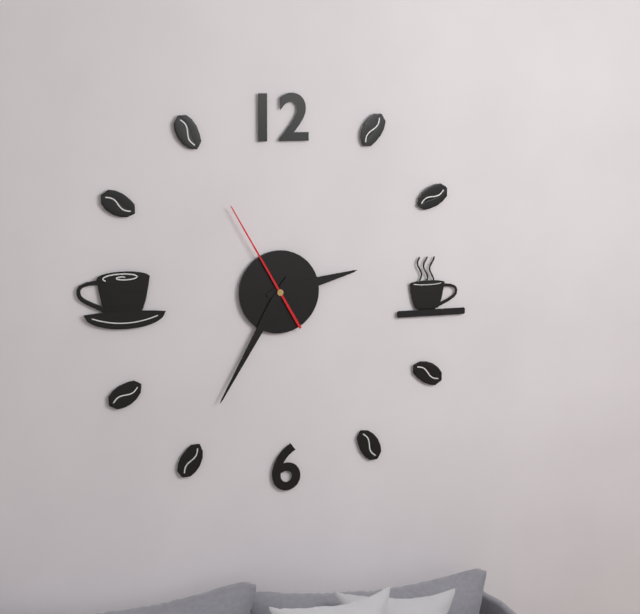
2:35:55
